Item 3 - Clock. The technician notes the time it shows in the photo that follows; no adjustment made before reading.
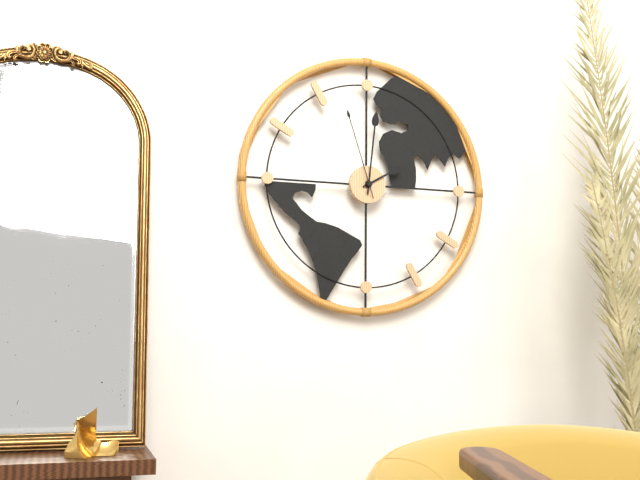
2:01:57
